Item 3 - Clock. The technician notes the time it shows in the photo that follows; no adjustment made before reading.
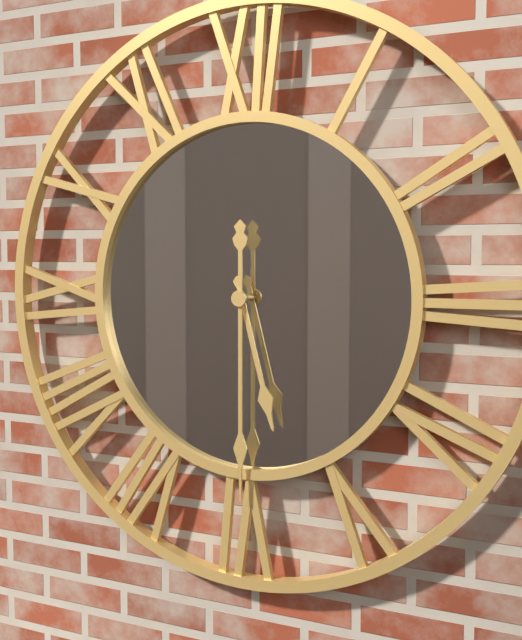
5:30
